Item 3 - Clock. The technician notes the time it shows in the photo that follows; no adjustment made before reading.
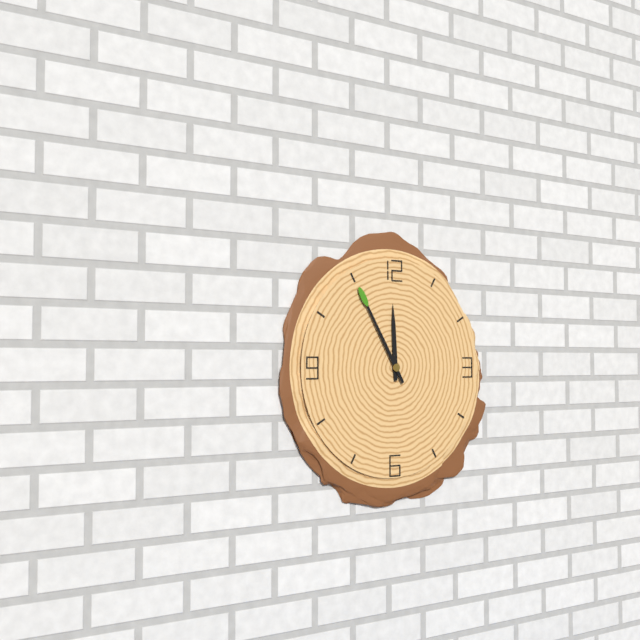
11:55
